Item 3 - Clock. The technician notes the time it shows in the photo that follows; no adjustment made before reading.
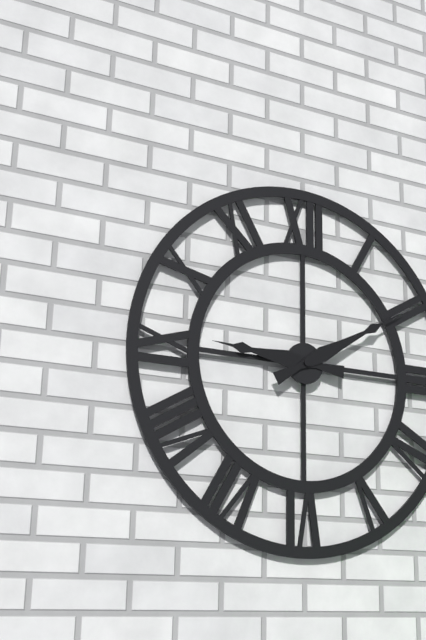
9:10
